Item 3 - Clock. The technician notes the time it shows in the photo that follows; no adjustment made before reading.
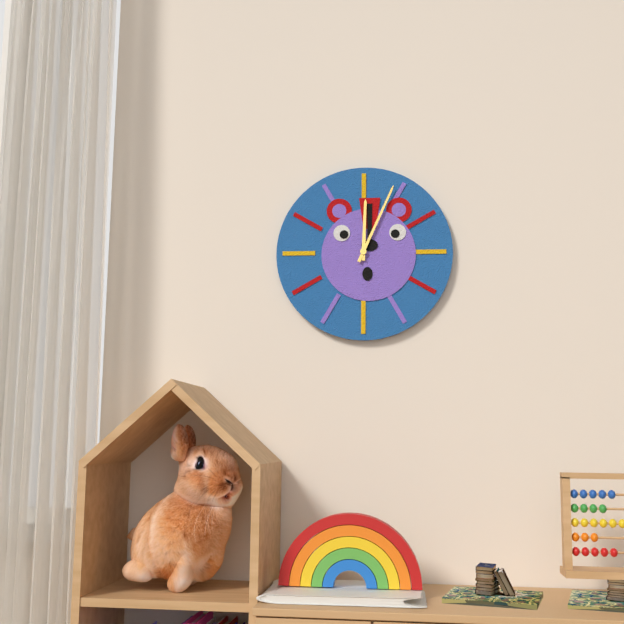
12:04
